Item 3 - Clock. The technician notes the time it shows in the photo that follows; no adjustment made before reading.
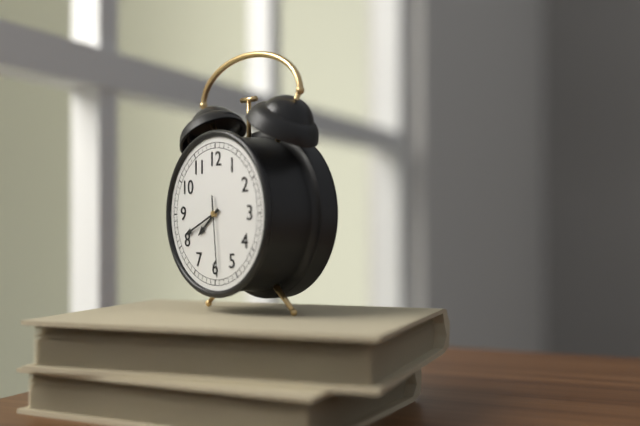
7:41:29
